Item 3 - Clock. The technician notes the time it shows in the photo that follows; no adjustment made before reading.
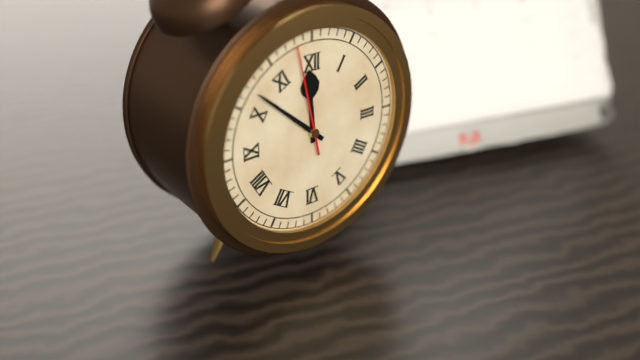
11:52:58
